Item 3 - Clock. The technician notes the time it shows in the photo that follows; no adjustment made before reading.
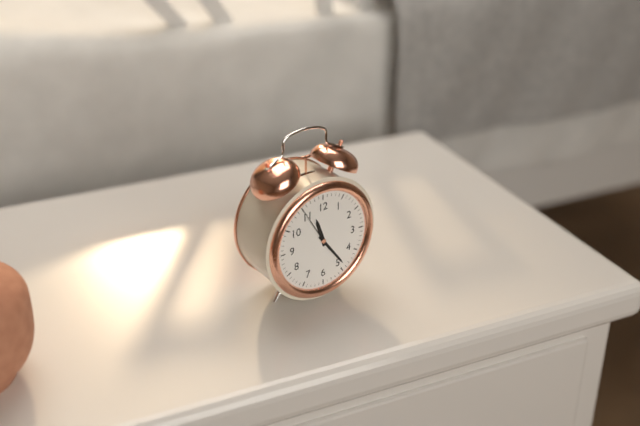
11:24
